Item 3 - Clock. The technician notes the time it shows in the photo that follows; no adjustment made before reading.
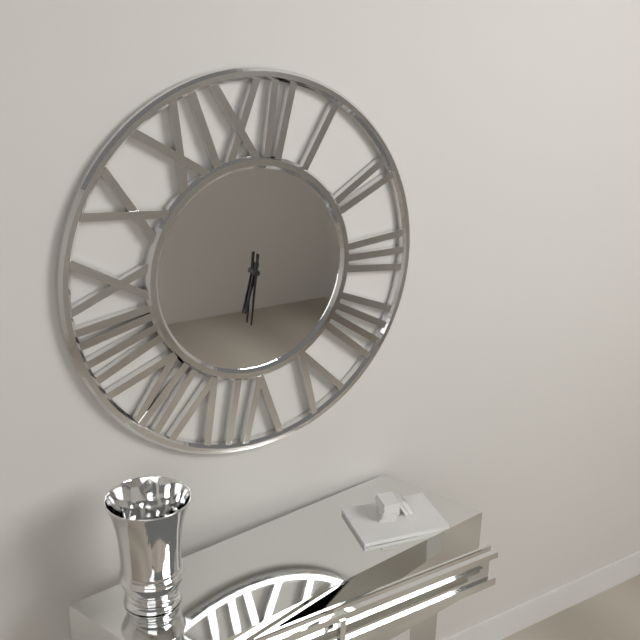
6:31
